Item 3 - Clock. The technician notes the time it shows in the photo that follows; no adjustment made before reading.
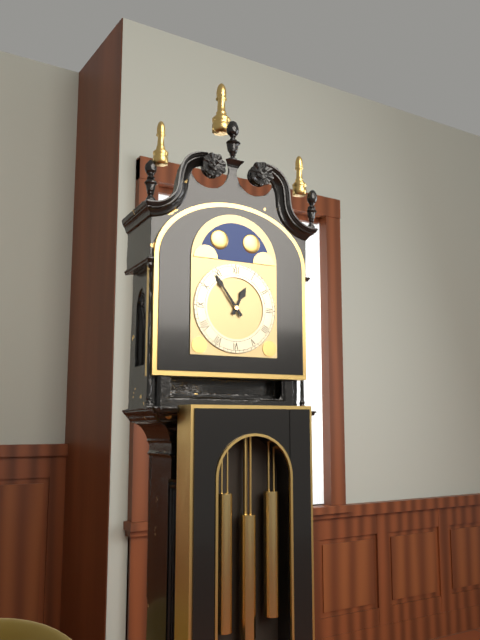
12:54
